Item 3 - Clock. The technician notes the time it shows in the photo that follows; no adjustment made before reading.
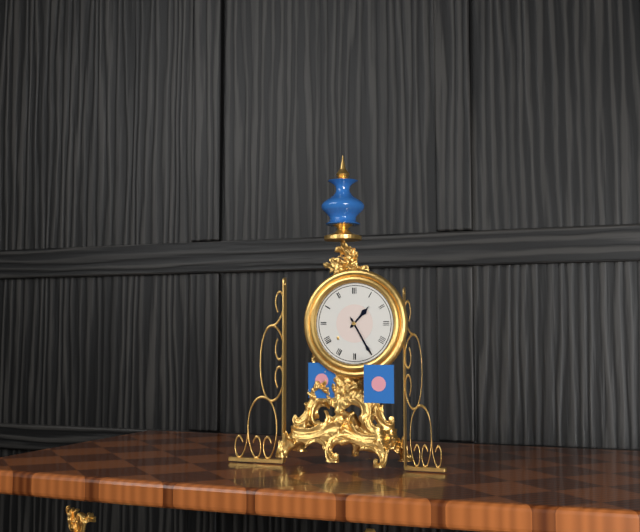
1:25
